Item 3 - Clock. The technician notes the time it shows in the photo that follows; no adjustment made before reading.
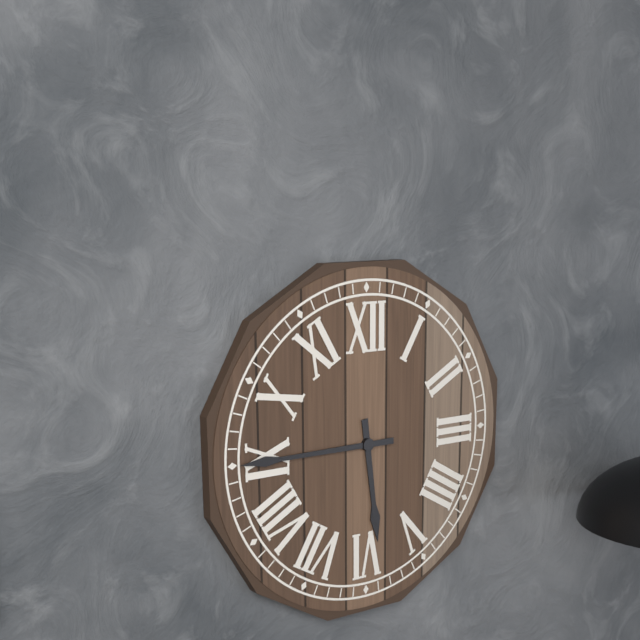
5:45
